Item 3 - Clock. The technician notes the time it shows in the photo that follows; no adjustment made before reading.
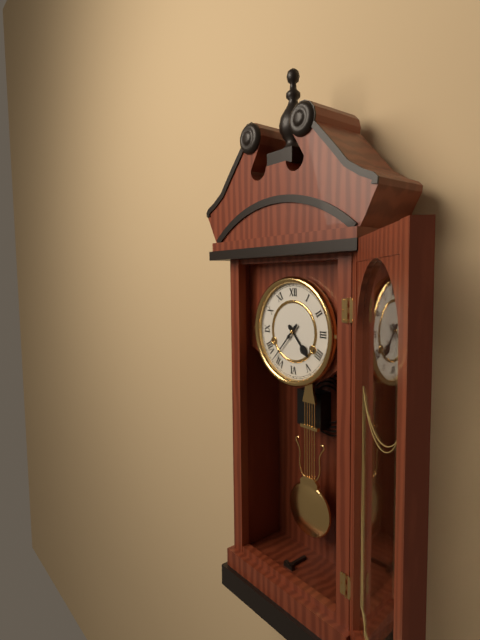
4:37
